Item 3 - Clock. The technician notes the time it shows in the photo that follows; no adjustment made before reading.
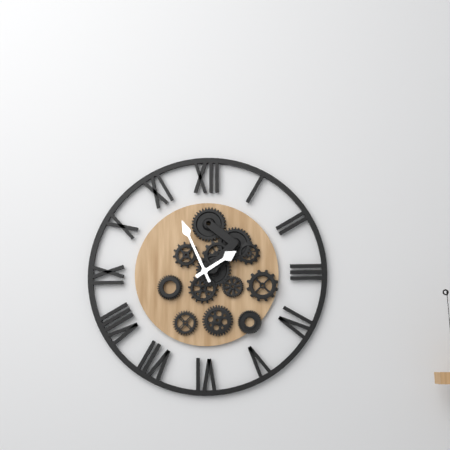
1:56
